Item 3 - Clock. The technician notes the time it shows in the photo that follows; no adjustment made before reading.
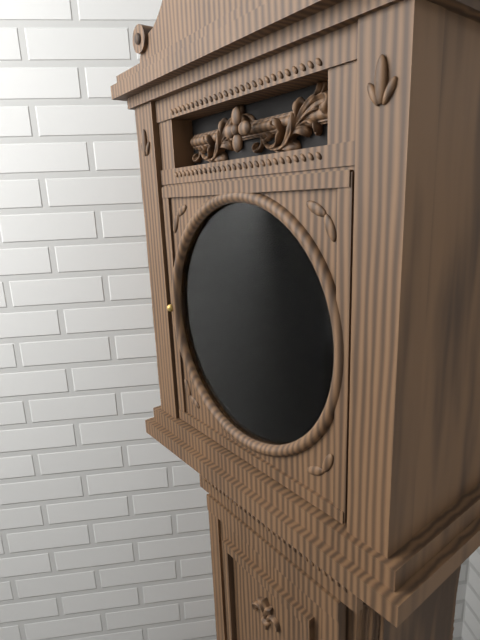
7:43
